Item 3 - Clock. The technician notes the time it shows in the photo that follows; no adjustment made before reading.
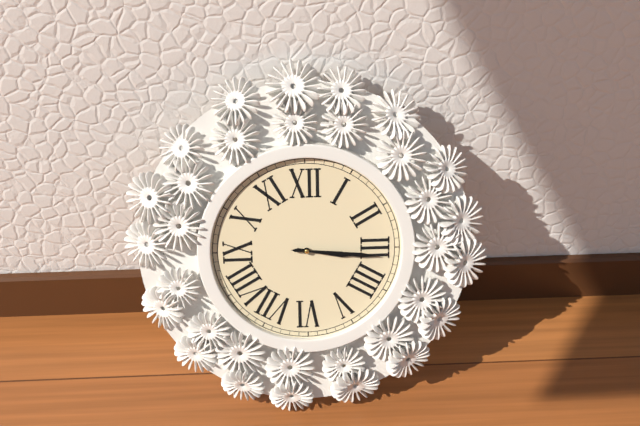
3:16
